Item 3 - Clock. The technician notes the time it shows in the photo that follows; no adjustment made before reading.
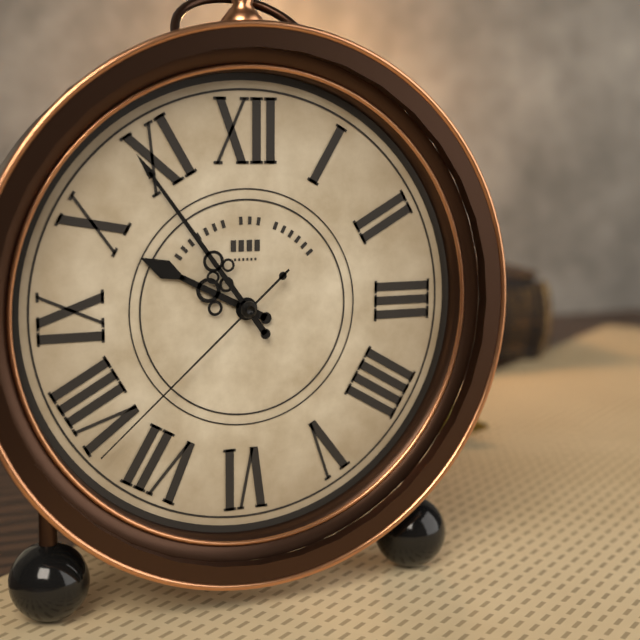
9:54:38
